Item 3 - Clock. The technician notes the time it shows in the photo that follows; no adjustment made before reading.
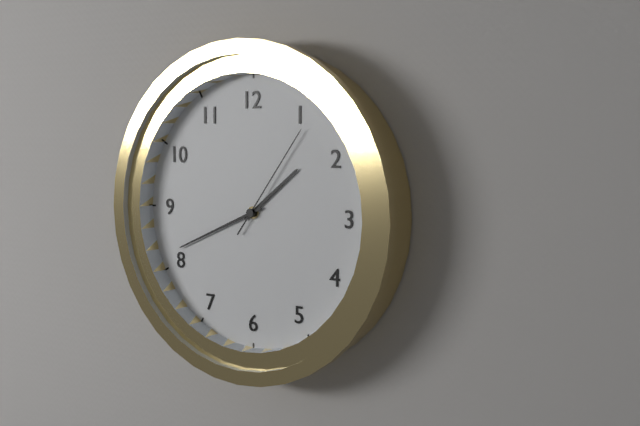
1:41:06
